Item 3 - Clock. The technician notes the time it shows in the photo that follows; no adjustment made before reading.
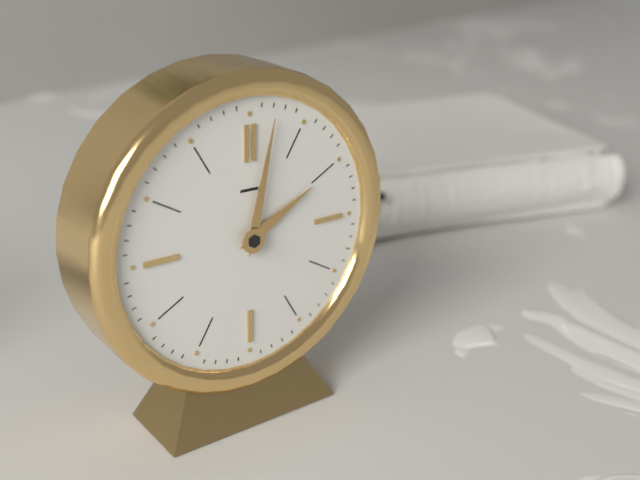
2:02
